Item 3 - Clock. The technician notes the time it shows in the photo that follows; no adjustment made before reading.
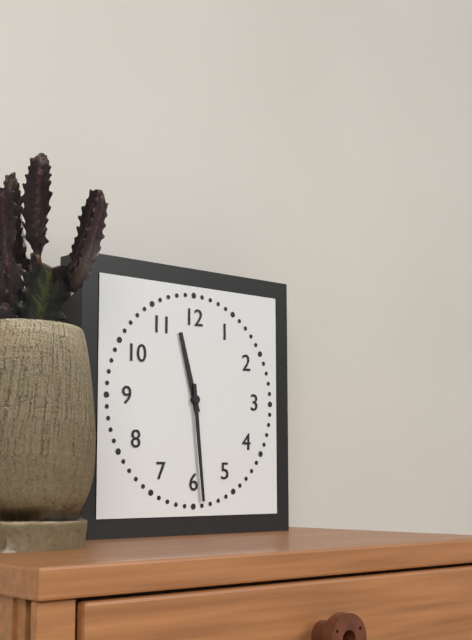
11:29
